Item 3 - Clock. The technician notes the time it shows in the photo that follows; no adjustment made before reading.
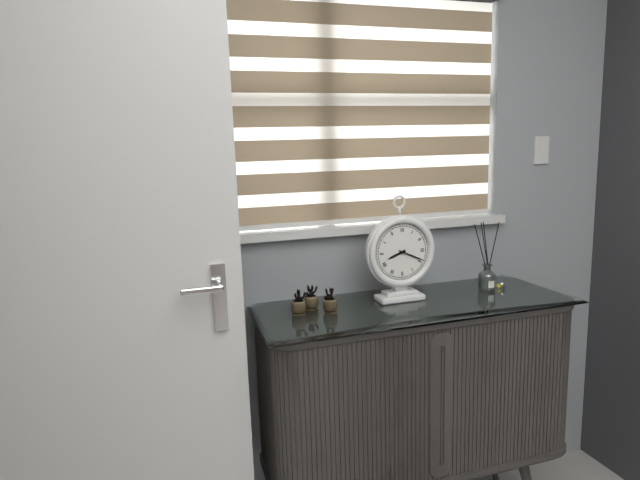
8:19
